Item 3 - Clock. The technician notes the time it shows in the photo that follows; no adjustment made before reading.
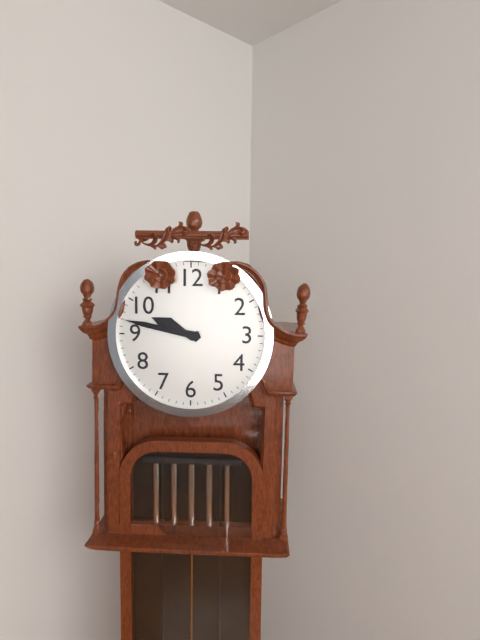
9:47
